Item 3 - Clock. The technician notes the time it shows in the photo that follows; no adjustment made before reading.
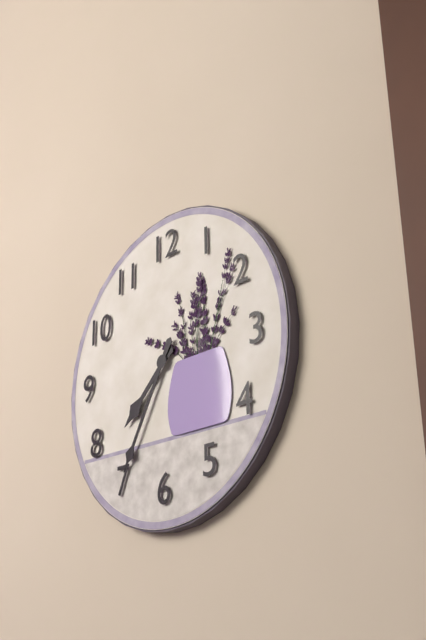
7:35
